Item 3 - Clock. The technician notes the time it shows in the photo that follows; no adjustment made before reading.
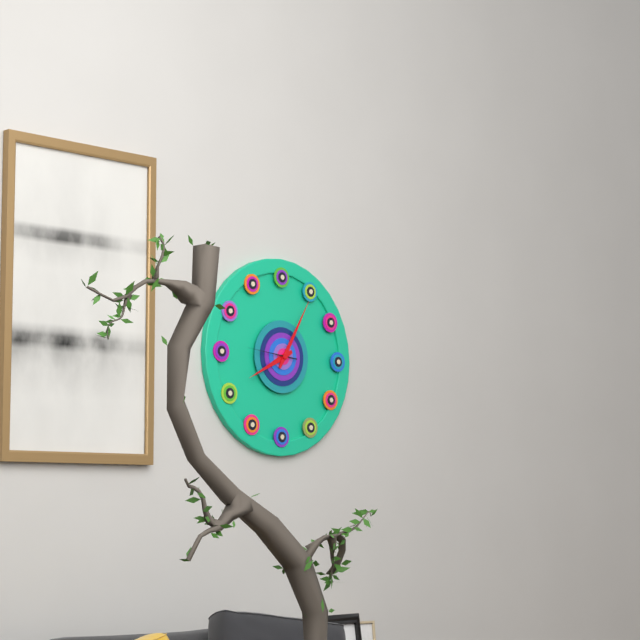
8:05
